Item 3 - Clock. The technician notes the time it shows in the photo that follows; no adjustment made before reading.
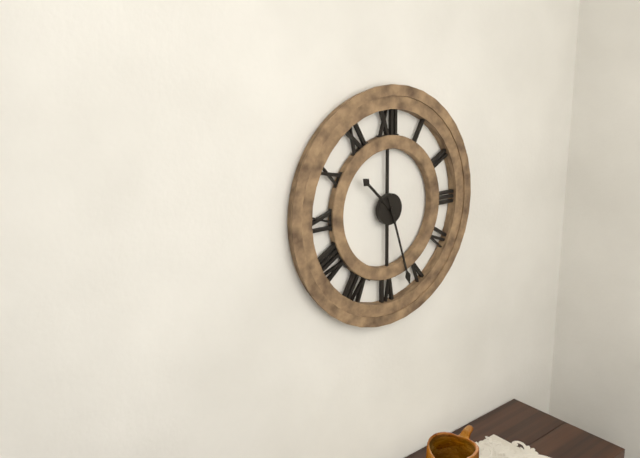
10:27
